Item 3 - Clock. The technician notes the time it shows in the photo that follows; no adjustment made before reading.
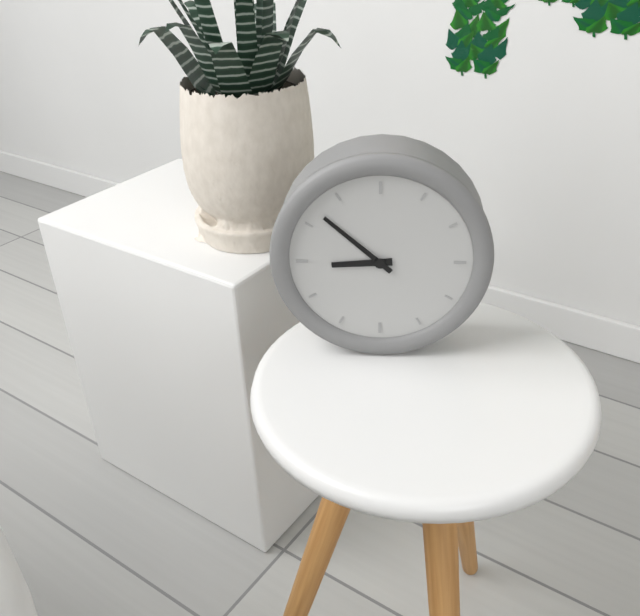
8:52
